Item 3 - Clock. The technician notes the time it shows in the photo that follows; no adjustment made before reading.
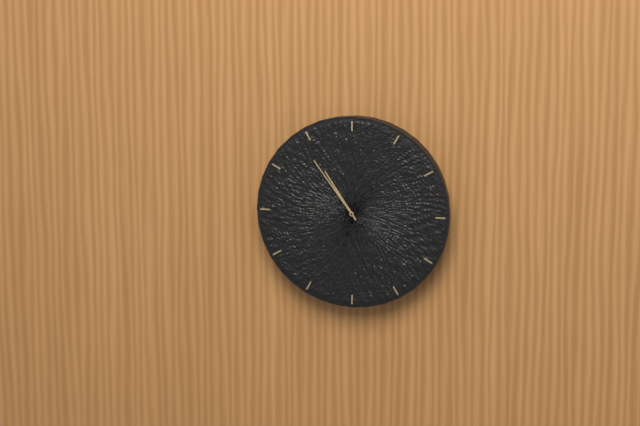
10:54
